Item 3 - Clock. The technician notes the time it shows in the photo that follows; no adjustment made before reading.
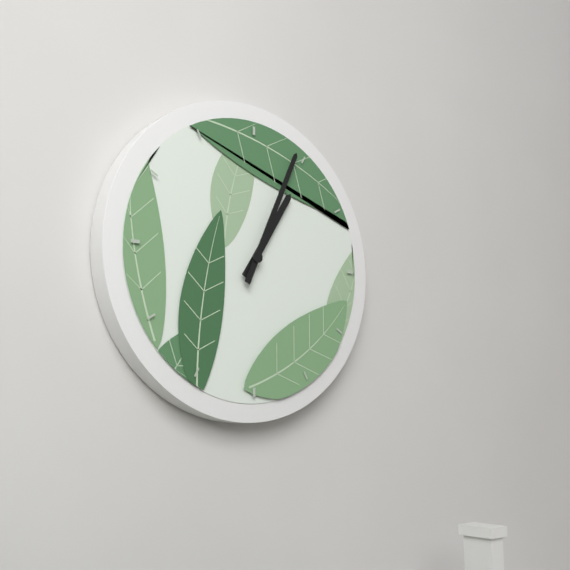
1:04
